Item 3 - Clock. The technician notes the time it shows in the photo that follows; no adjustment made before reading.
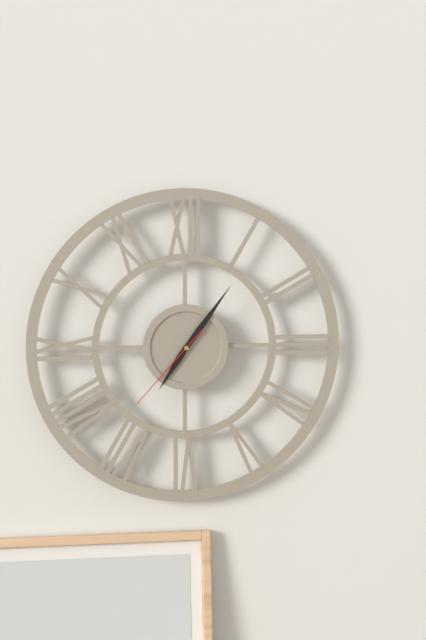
7:06:37
